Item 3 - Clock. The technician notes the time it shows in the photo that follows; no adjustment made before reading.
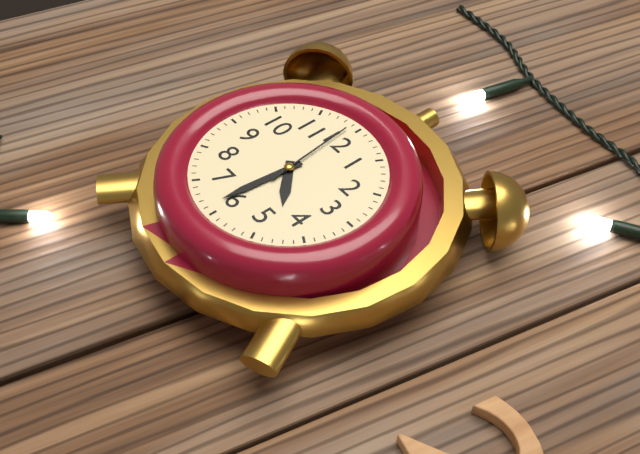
4:31:59
